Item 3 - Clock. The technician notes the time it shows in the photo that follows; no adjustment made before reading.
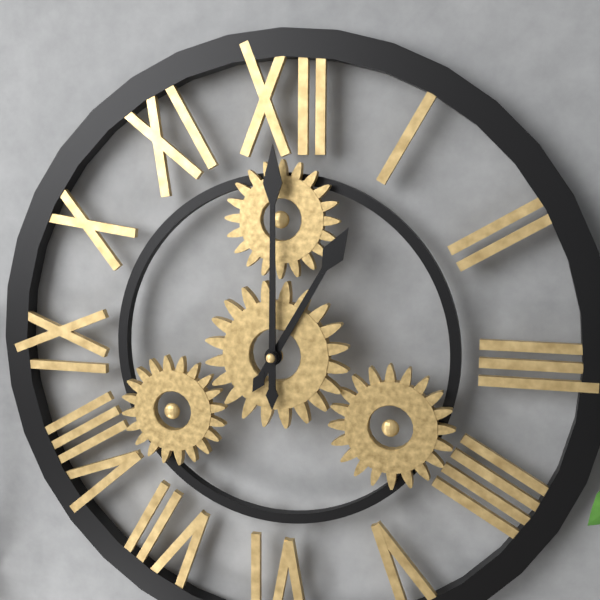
1:00
